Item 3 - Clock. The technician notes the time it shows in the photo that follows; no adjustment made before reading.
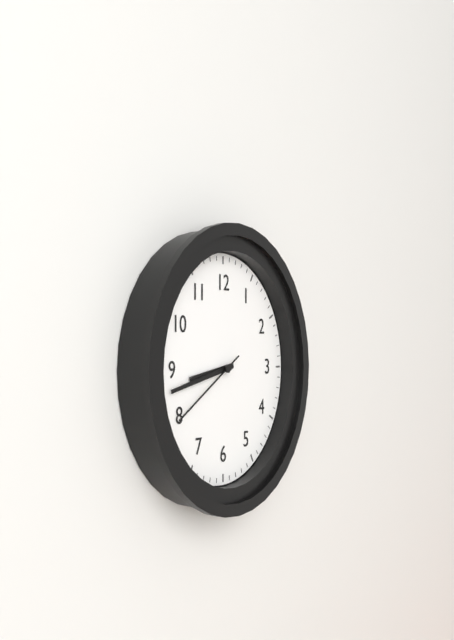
8:43:40
